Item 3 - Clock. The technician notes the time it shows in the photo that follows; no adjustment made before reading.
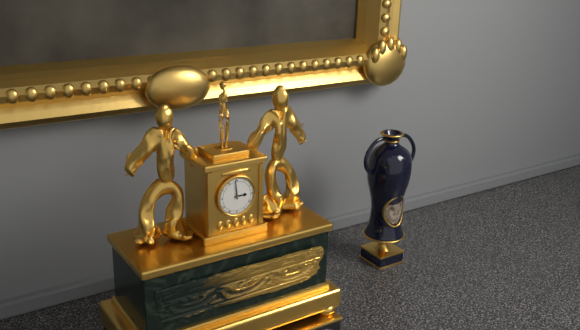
2:59
